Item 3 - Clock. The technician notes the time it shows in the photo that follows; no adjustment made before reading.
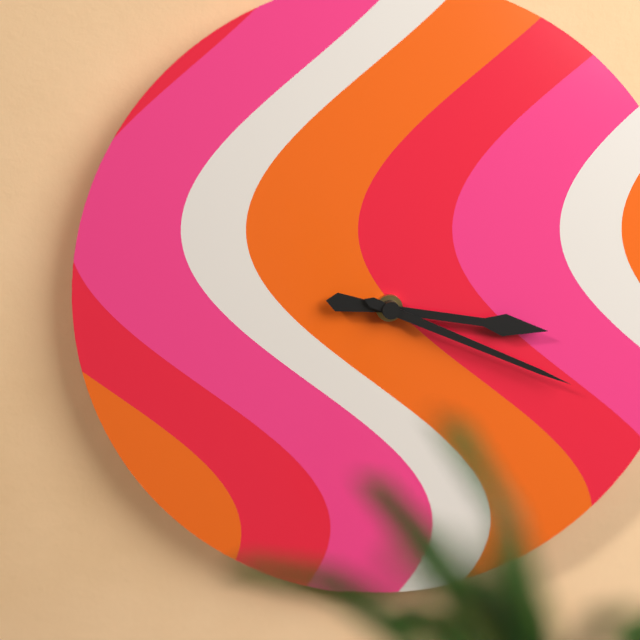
3:19
